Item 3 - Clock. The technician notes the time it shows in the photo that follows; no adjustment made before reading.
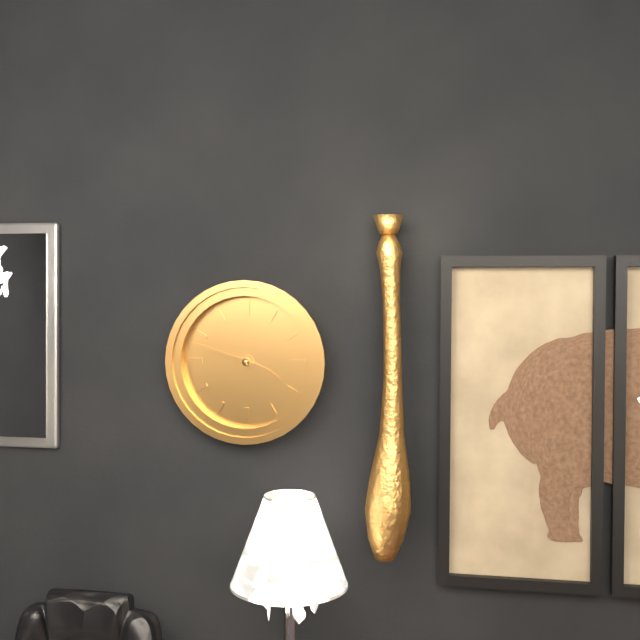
3:48
